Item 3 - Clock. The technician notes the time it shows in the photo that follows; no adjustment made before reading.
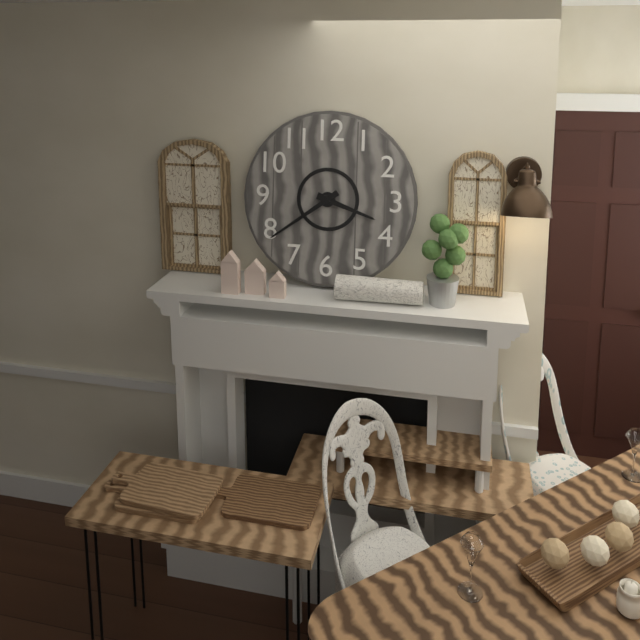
3:39
